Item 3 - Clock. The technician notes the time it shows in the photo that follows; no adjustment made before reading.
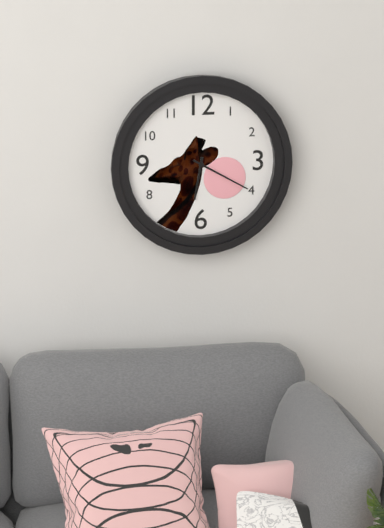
6:20
